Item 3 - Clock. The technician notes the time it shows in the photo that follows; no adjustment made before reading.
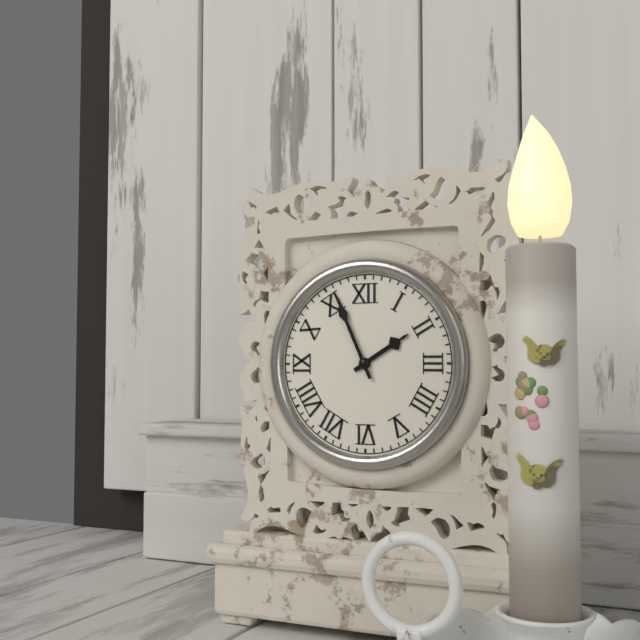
1:56
